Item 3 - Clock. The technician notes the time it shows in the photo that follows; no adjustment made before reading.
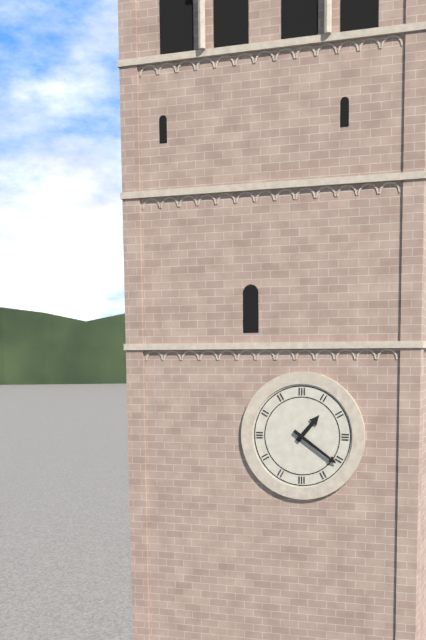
1:21
